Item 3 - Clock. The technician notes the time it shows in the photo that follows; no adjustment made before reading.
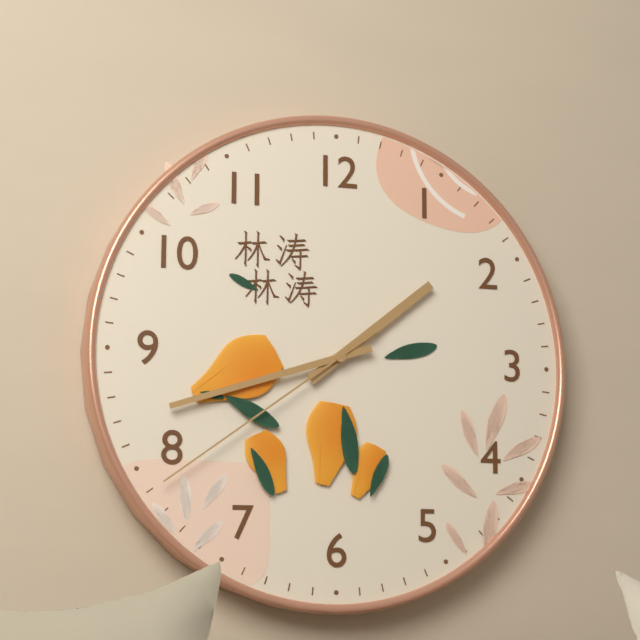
1:42:39
